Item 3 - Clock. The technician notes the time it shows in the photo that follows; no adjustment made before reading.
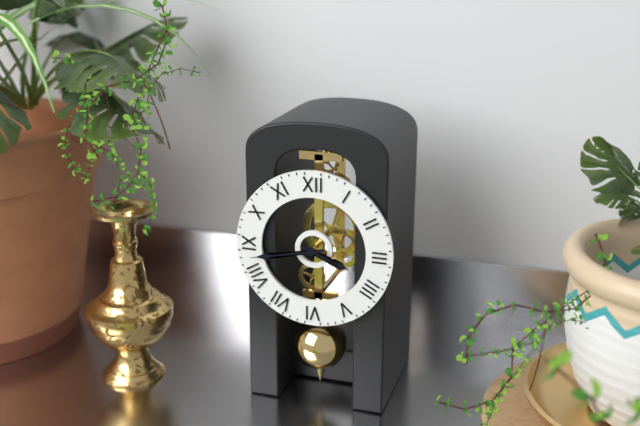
3:43
